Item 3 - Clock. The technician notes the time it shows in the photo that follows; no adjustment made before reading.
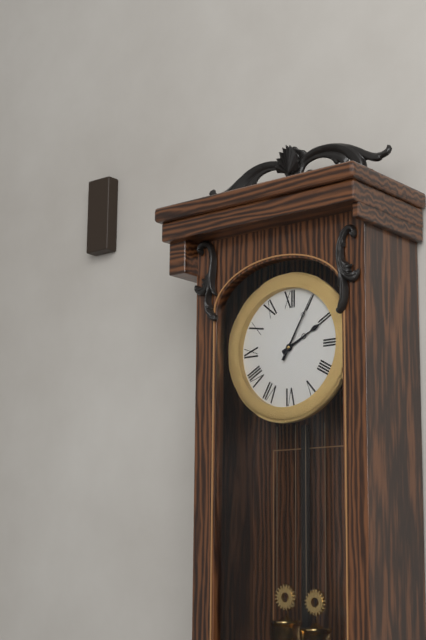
2:05
